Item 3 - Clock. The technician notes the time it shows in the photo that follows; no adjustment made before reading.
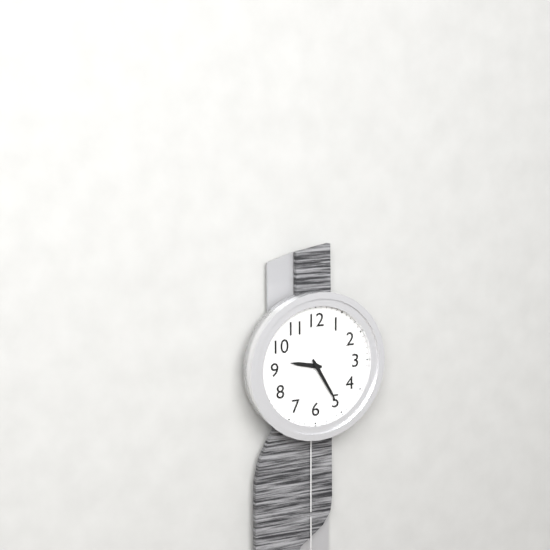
9:25
